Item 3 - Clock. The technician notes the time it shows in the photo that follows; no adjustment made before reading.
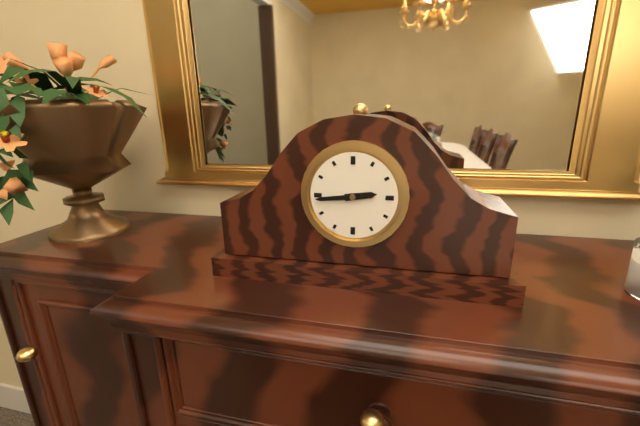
2:44
